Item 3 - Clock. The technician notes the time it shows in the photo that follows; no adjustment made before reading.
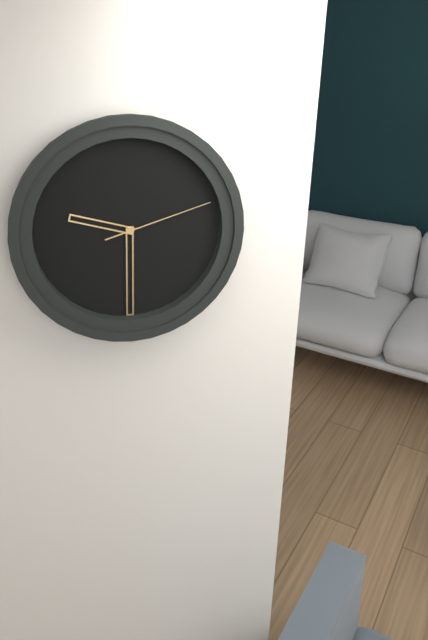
9:30:12
